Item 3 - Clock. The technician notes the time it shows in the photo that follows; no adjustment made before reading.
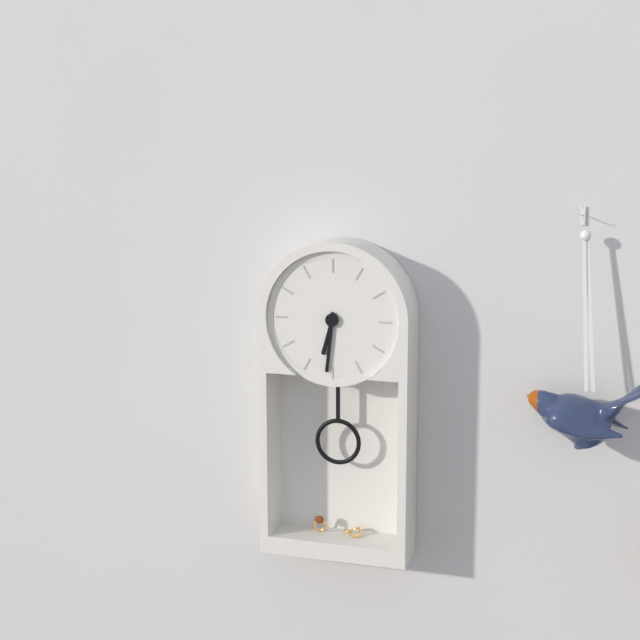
6:31
